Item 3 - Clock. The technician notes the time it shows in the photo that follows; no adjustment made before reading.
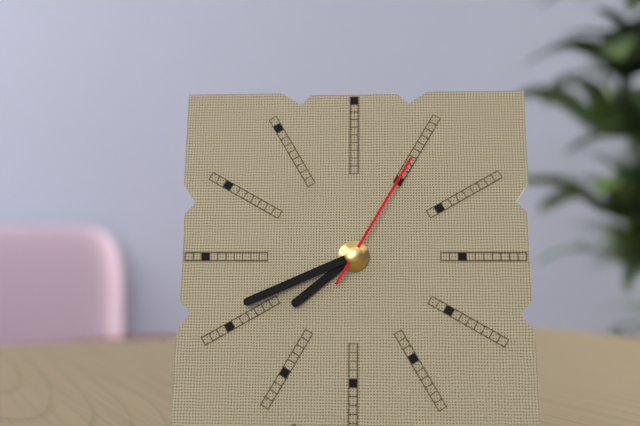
7:41:05
